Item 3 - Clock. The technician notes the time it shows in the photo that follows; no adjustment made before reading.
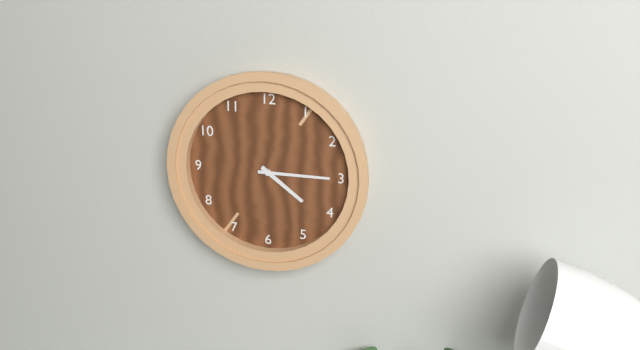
4:15
